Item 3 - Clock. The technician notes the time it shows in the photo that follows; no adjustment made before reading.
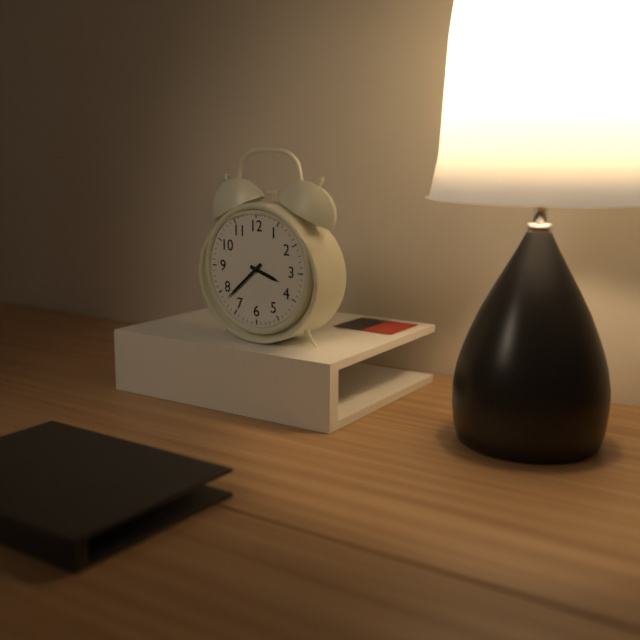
3:38
